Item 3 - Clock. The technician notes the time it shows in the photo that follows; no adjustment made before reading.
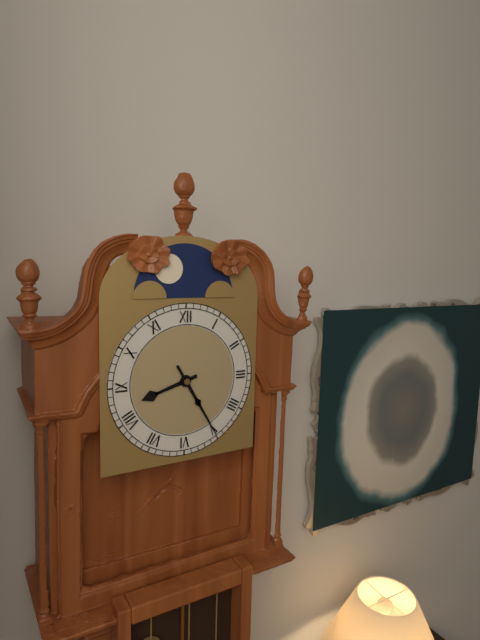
8:25
